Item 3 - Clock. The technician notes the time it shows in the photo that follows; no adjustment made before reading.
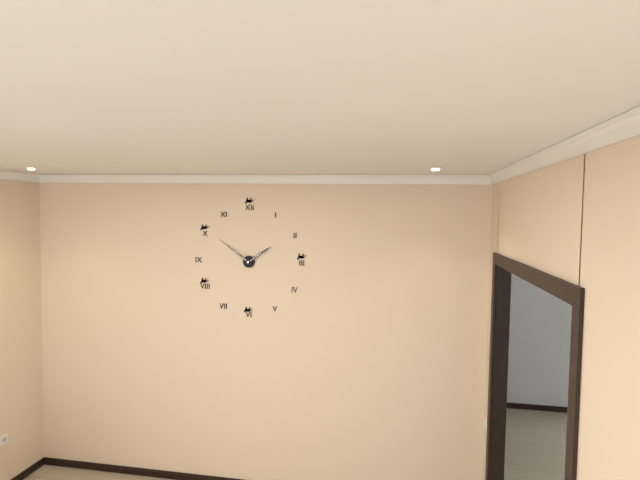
1:51
